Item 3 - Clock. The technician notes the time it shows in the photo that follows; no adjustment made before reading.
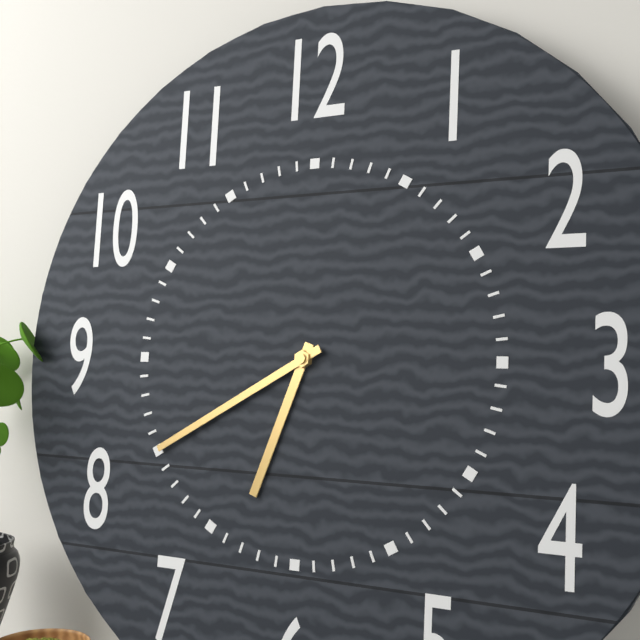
6:40
